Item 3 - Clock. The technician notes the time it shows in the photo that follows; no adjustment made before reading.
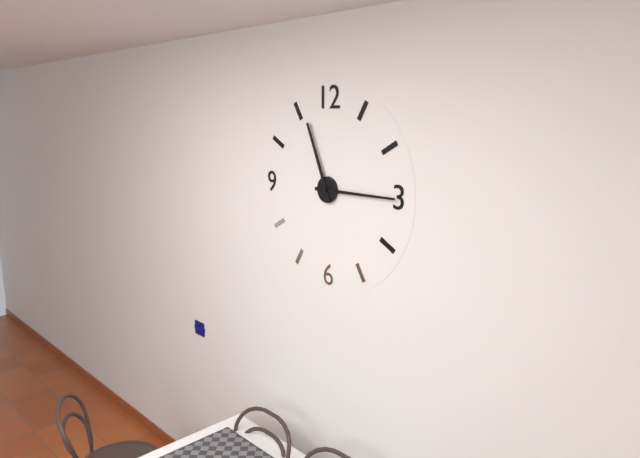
11:15
